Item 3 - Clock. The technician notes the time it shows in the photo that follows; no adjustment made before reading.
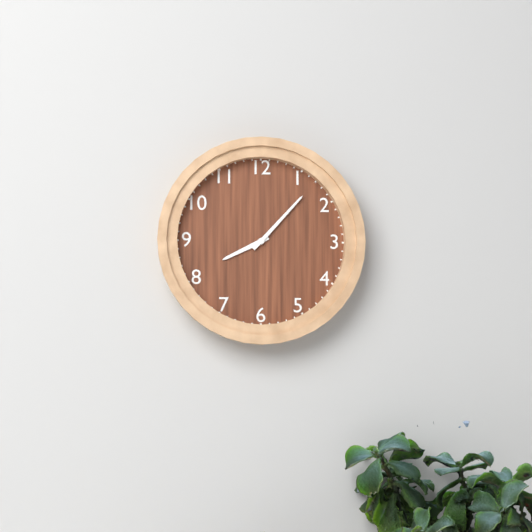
8:07
